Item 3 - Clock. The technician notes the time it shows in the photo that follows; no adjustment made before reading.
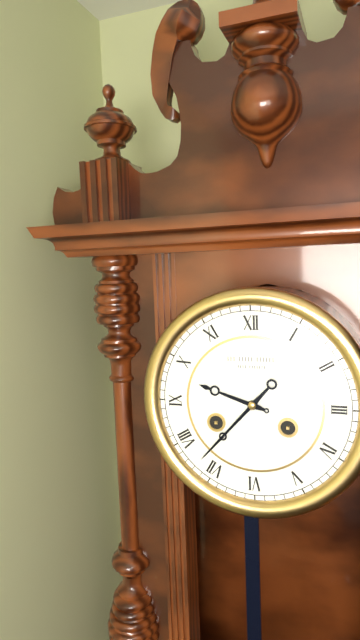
9:37
